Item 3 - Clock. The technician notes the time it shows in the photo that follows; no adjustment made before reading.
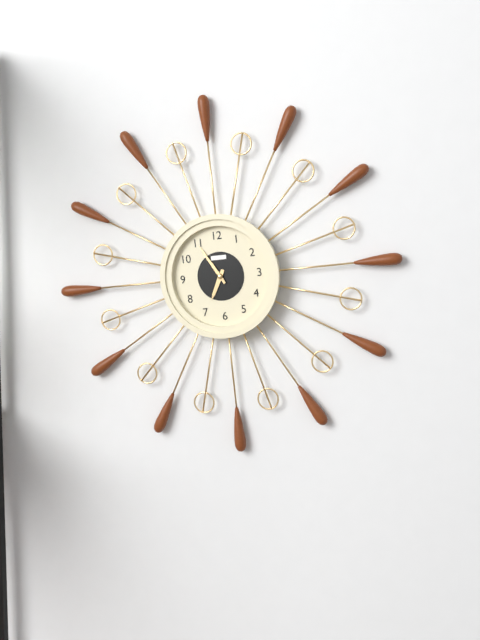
6:55
